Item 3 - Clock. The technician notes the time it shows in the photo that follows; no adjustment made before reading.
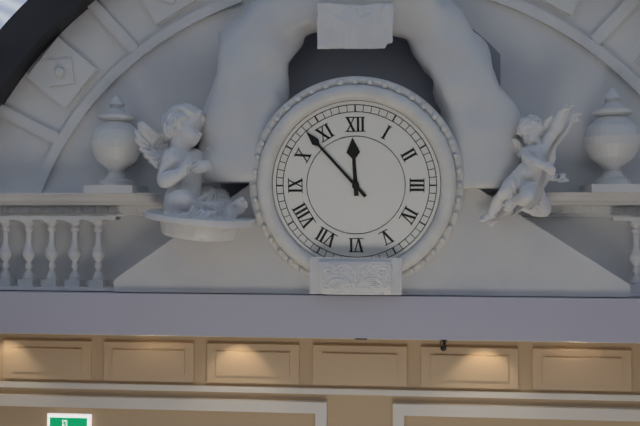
11:53
